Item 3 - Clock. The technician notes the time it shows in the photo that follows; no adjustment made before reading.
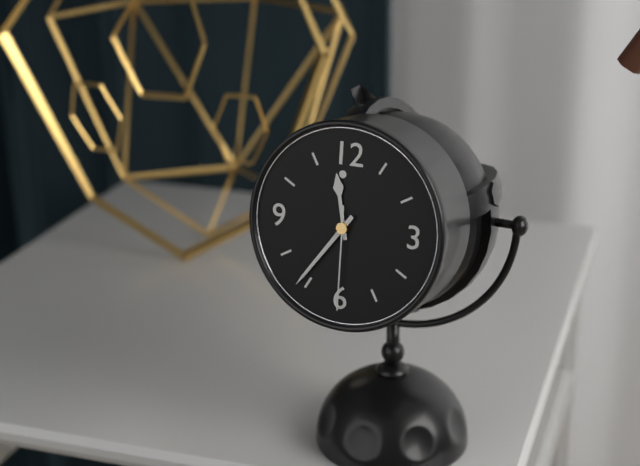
11:36:30
